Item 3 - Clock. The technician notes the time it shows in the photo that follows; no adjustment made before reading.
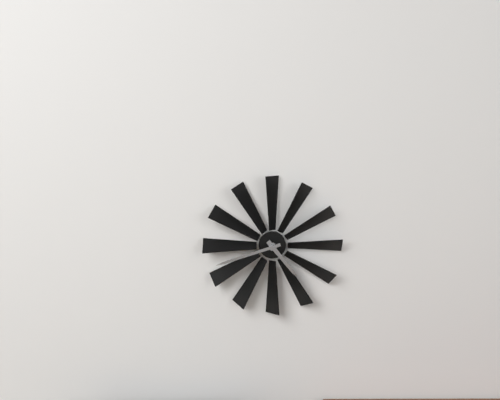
4:42
